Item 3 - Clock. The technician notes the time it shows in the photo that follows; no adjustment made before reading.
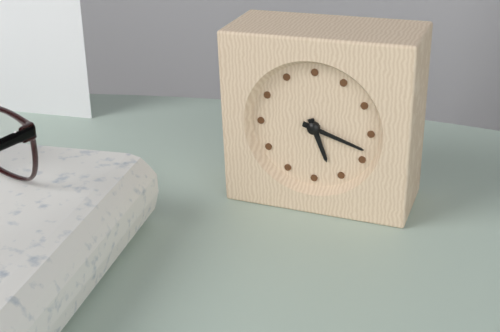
5:18
